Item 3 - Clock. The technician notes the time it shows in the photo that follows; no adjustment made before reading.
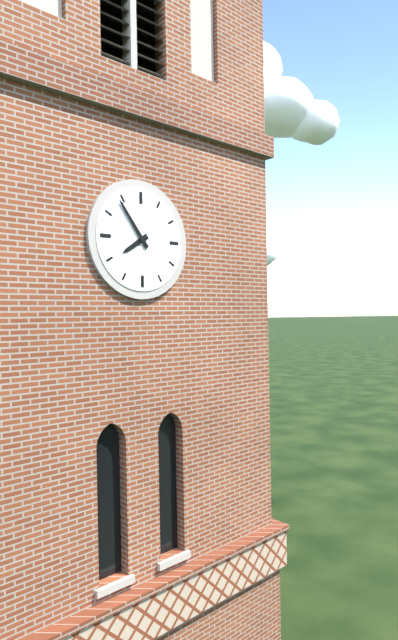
7:54
